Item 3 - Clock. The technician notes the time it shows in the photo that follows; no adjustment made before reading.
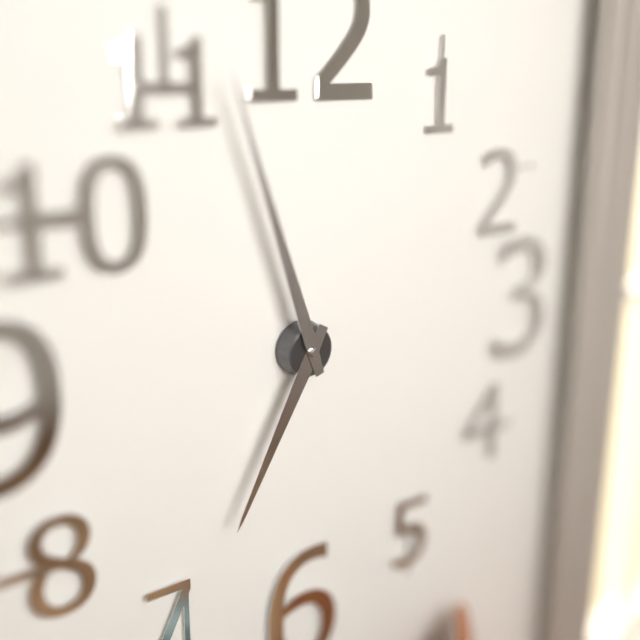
6:57
